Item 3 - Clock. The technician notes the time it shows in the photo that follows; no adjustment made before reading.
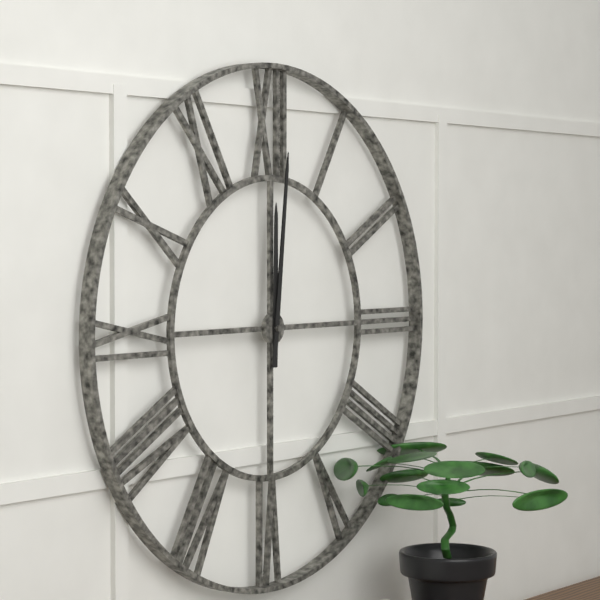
12:01
